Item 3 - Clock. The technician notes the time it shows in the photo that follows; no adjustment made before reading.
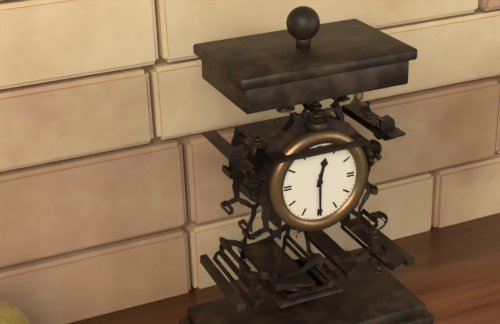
12:30
